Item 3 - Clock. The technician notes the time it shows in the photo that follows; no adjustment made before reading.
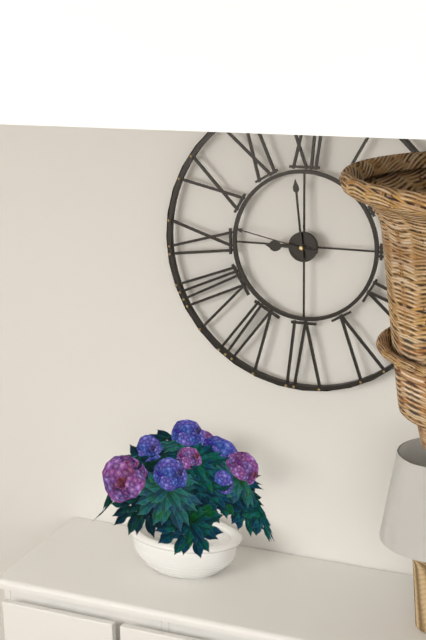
8:59:47
